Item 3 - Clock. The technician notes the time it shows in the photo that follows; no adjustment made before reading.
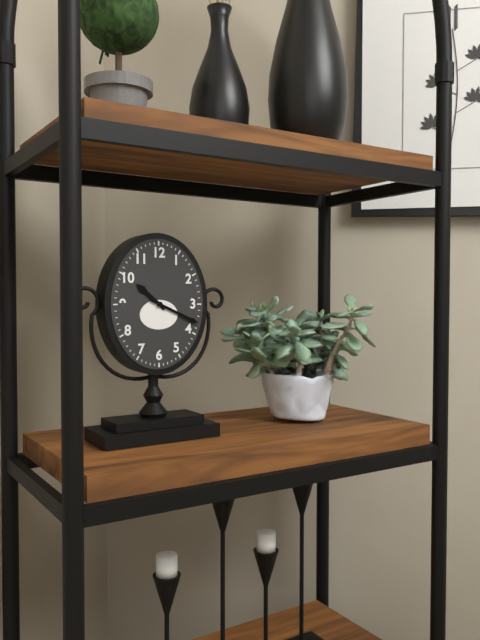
10:19
